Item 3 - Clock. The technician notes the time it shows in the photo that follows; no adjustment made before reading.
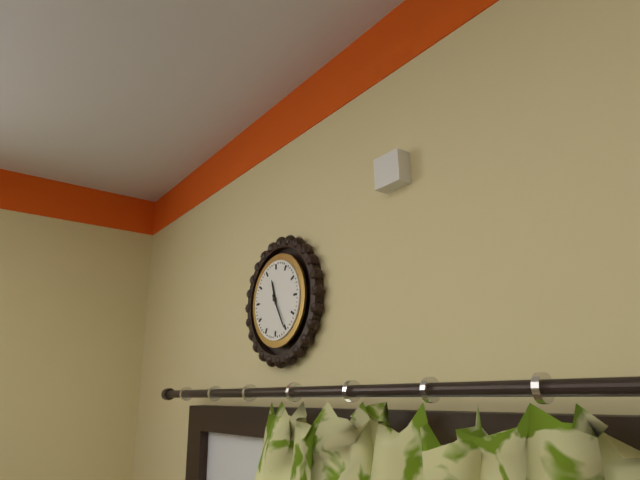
11:25
